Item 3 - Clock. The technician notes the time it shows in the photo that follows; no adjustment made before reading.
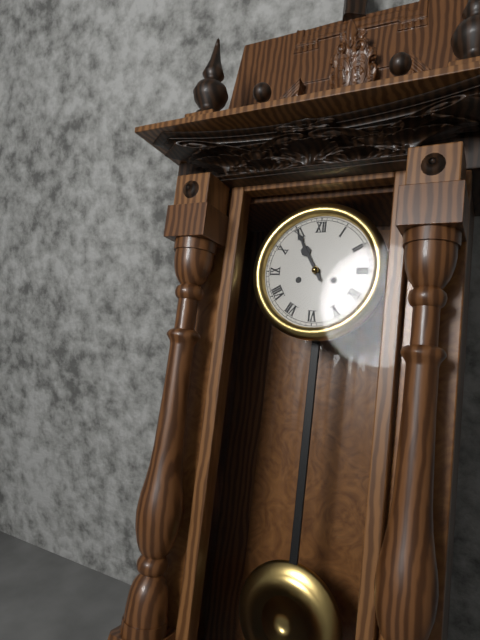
10:55
